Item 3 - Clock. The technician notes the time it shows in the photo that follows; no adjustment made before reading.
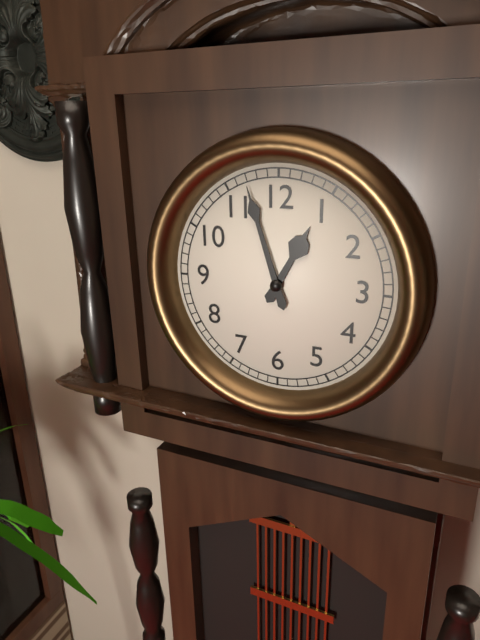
12:57
